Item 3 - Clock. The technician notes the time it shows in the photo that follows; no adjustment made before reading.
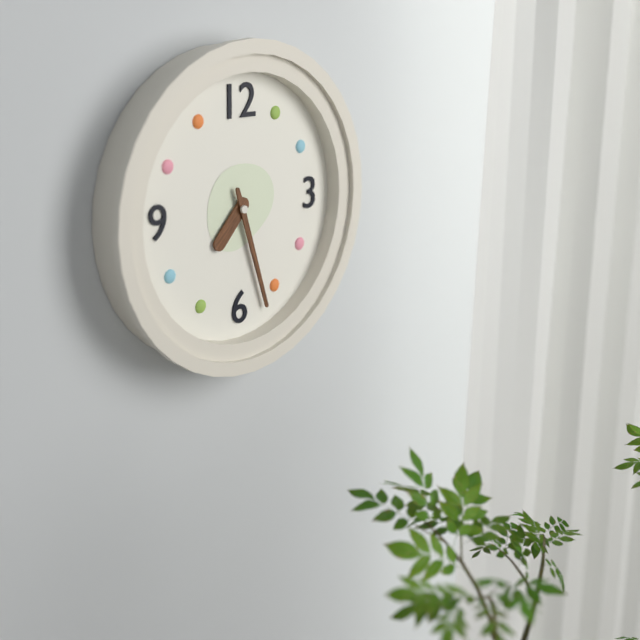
7:27
